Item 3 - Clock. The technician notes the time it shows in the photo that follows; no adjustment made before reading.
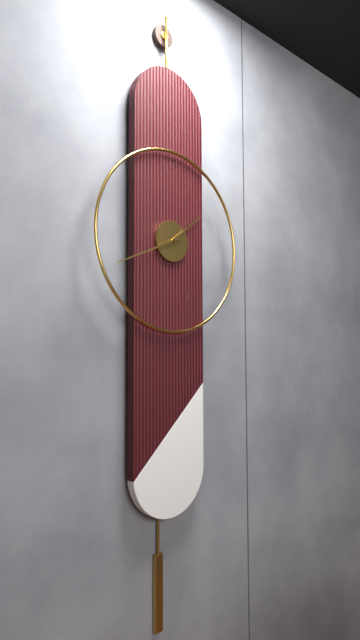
1:41
